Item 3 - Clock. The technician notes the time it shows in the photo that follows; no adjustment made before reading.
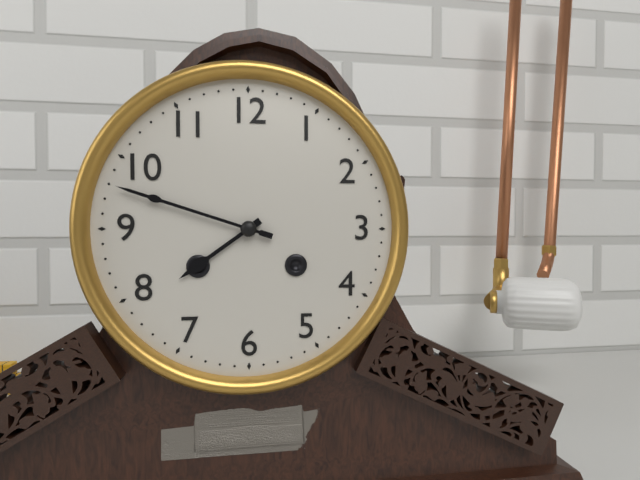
7:48
